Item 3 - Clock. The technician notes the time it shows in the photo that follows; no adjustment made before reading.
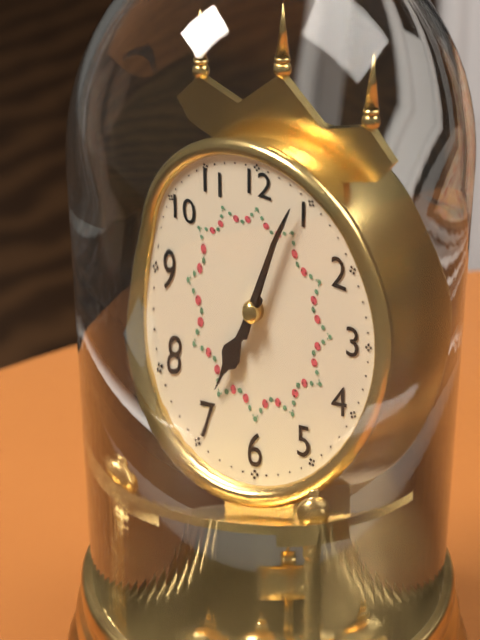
7:04
